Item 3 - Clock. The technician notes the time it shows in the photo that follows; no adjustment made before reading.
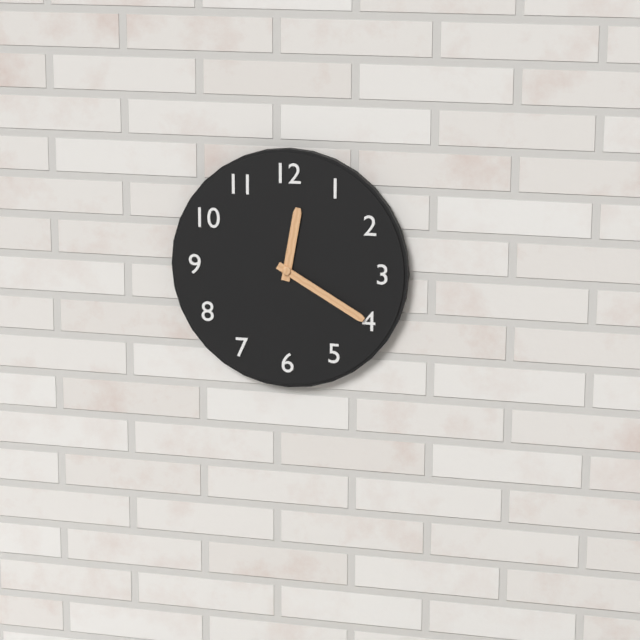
12:20
